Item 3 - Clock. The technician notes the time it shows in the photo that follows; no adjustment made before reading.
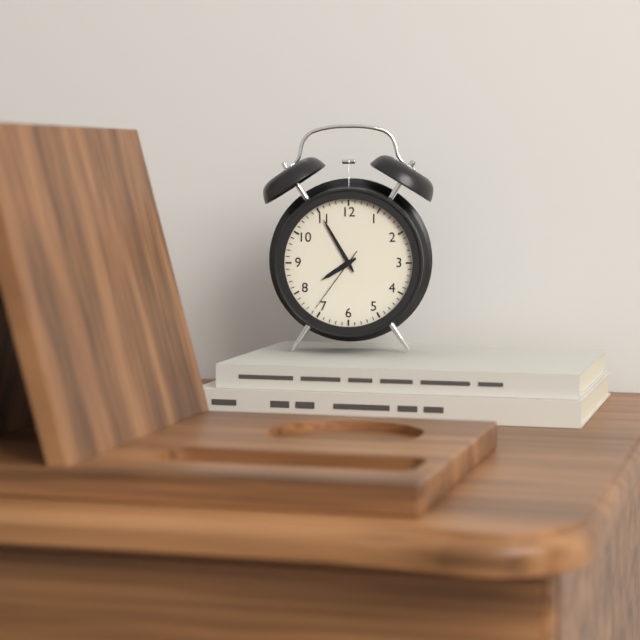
7:55:36
